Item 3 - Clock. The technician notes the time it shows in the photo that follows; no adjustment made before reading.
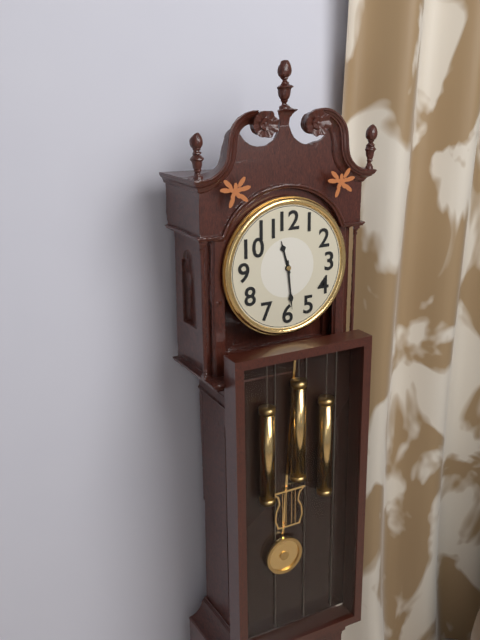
11:29
